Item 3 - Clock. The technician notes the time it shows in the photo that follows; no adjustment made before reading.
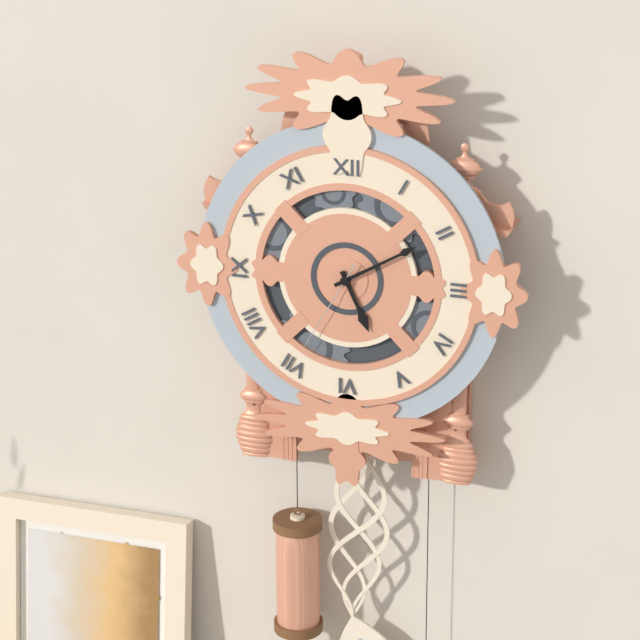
5:10:35
